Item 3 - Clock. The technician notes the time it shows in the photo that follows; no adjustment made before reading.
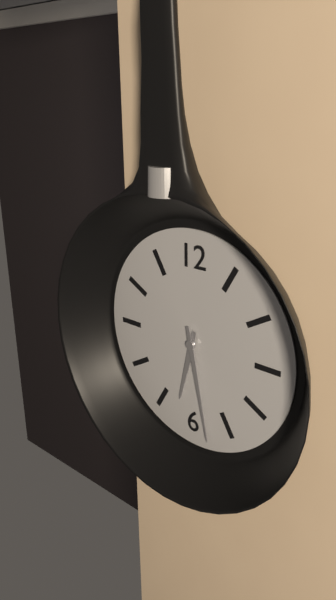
6:28
